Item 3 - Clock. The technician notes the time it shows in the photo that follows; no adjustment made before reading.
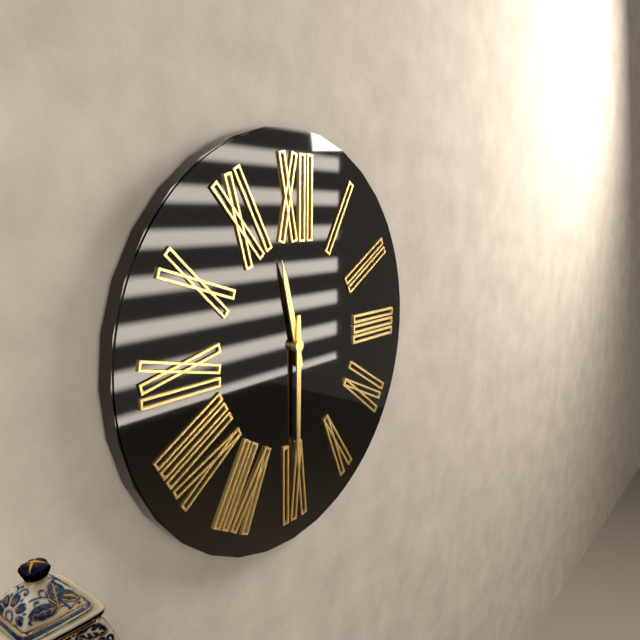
11:30
